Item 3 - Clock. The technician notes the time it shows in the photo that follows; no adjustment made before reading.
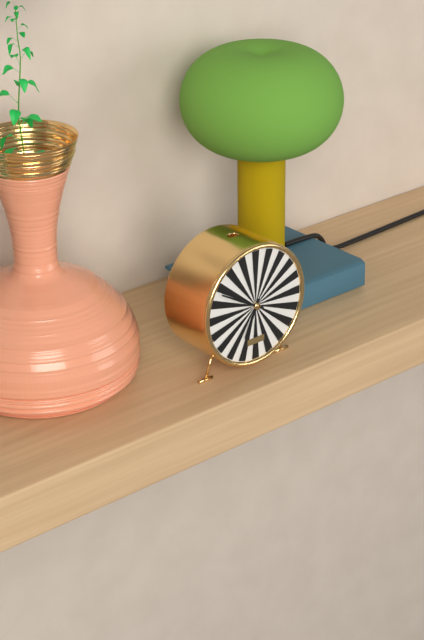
6:50
